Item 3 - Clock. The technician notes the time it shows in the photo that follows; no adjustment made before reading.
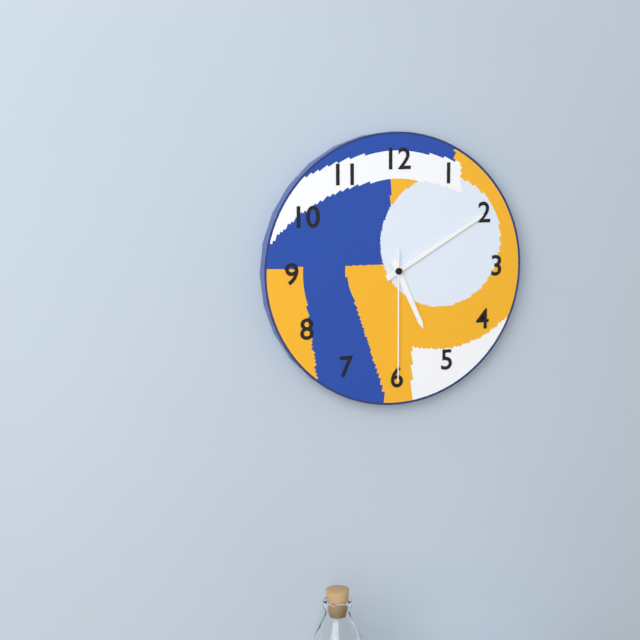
5:10:30
